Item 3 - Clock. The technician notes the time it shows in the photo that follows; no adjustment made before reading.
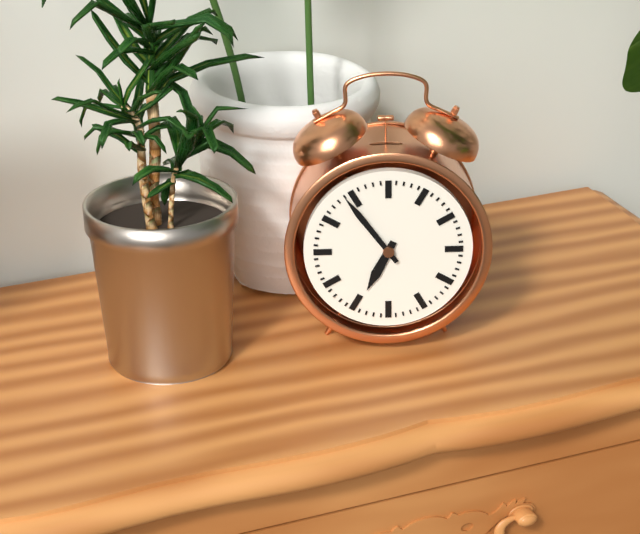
6:54
